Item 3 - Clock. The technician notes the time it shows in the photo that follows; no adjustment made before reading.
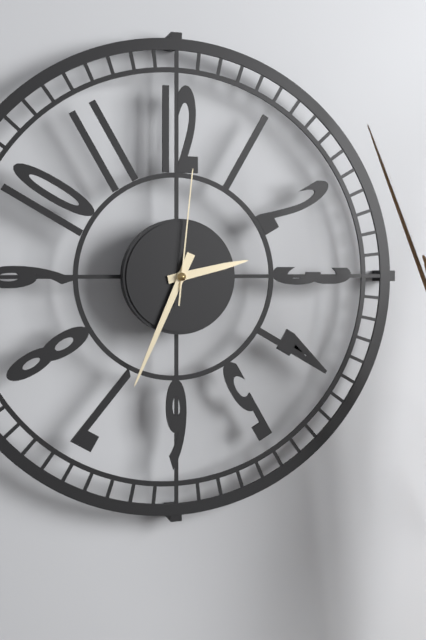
2:34:01
